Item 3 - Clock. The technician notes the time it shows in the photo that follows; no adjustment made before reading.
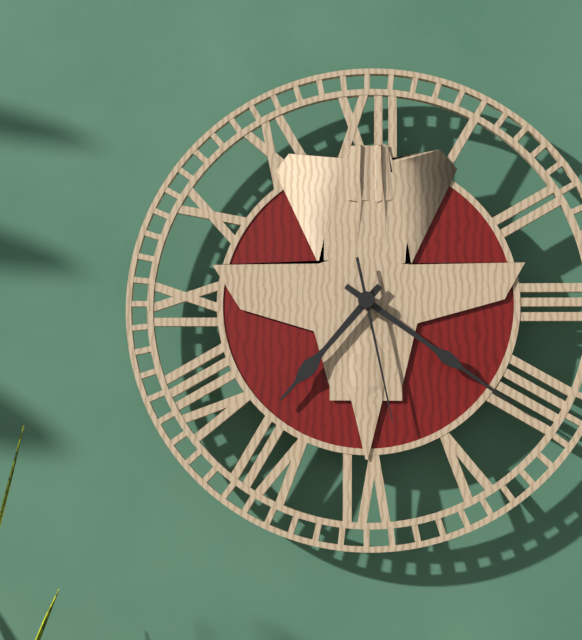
7:21:28
